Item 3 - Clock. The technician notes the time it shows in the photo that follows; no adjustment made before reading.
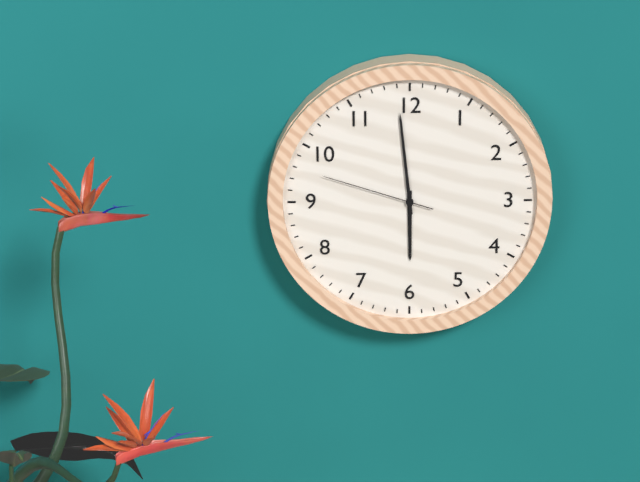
5:59:48
